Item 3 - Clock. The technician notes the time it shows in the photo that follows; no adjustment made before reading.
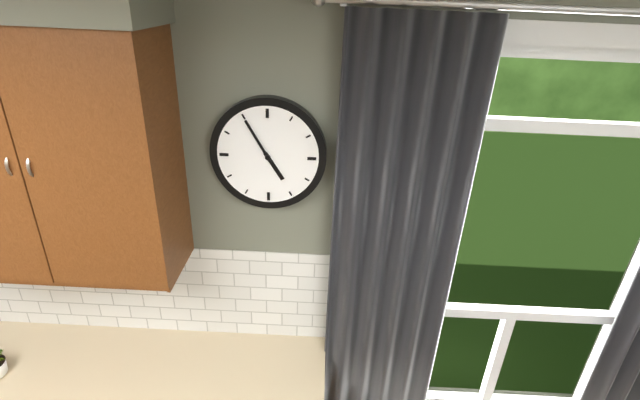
4:55
